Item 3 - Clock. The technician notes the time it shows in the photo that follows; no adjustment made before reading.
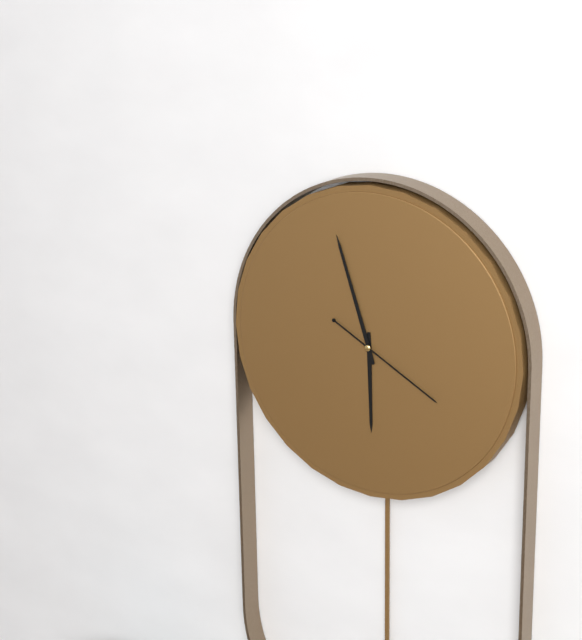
5:57:20
